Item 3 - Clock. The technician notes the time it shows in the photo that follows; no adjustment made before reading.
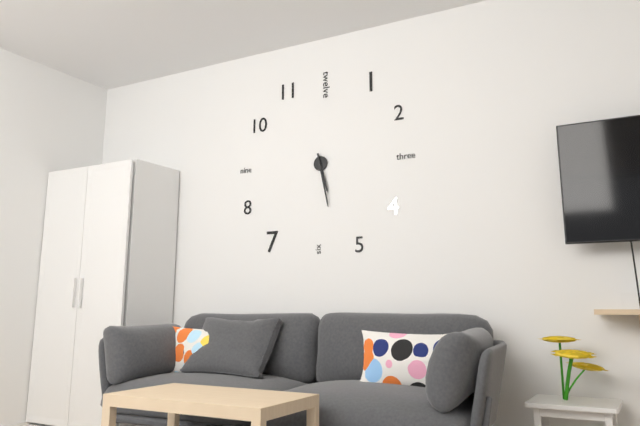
5:28
